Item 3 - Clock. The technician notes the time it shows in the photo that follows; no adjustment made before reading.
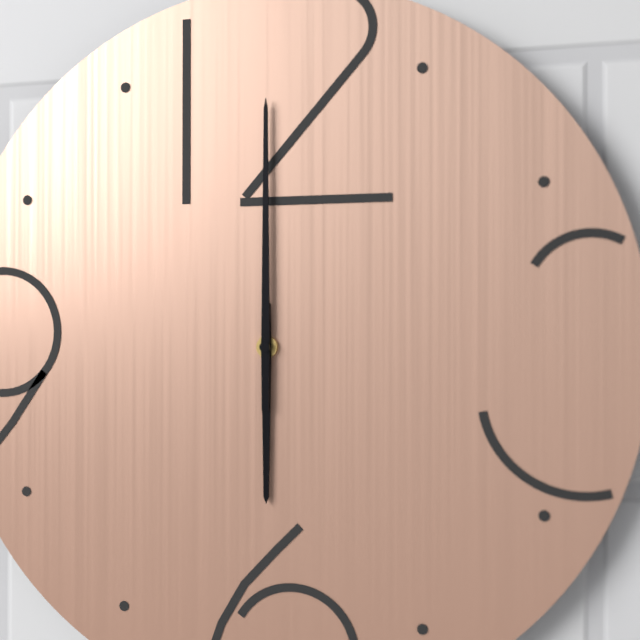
6:00
